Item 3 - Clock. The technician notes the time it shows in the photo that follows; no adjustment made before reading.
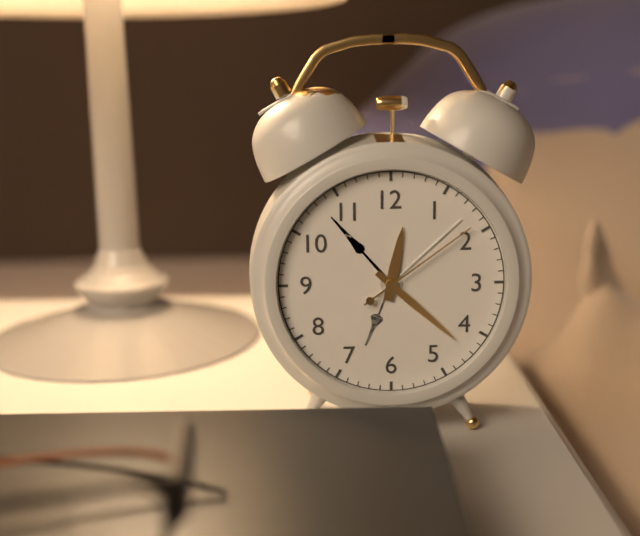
12:22:09
